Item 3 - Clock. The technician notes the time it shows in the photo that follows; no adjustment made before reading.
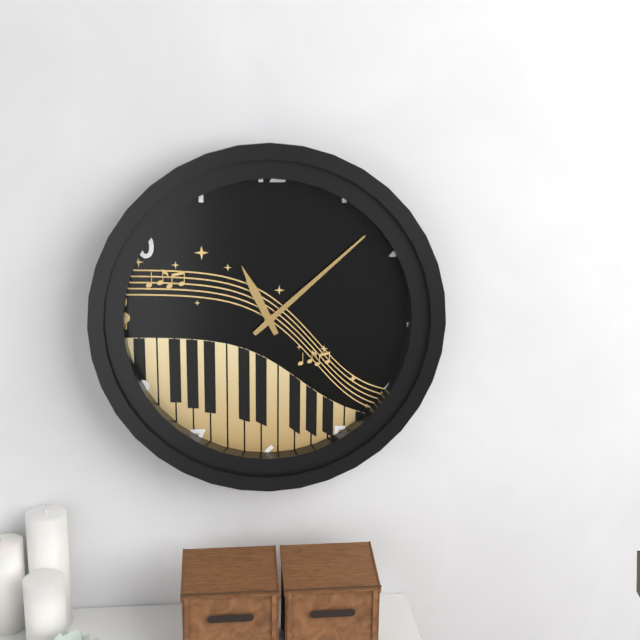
11:08
